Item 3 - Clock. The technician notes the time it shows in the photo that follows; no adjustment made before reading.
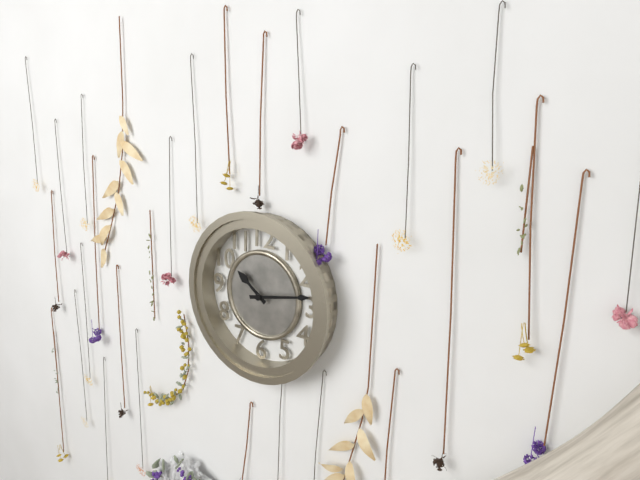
10:13
